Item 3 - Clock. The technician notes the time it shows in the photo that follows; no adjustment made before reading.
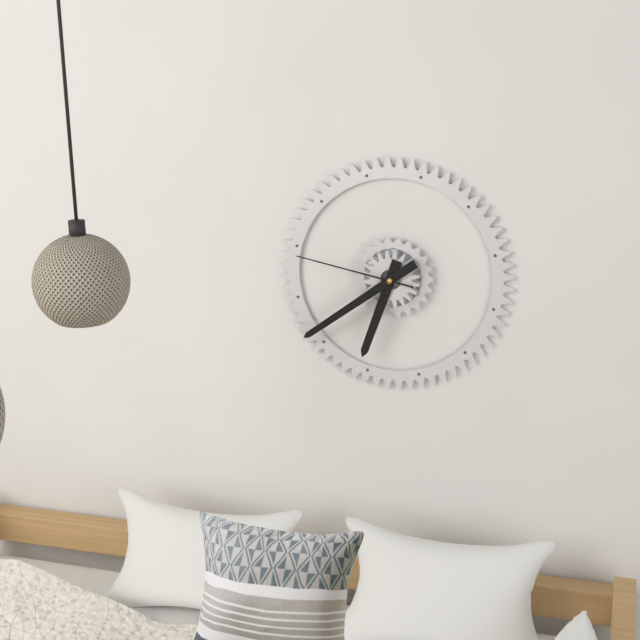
6:39:47
